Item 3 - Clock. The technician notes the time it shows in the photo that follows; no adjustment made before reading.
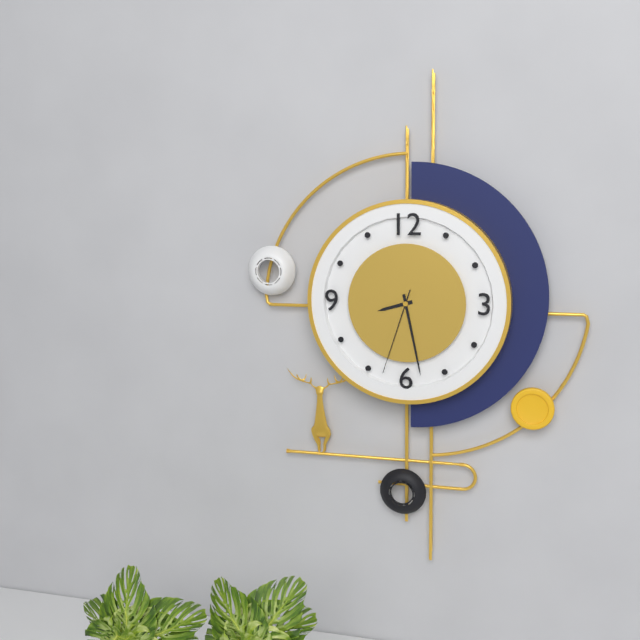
8:28:33
